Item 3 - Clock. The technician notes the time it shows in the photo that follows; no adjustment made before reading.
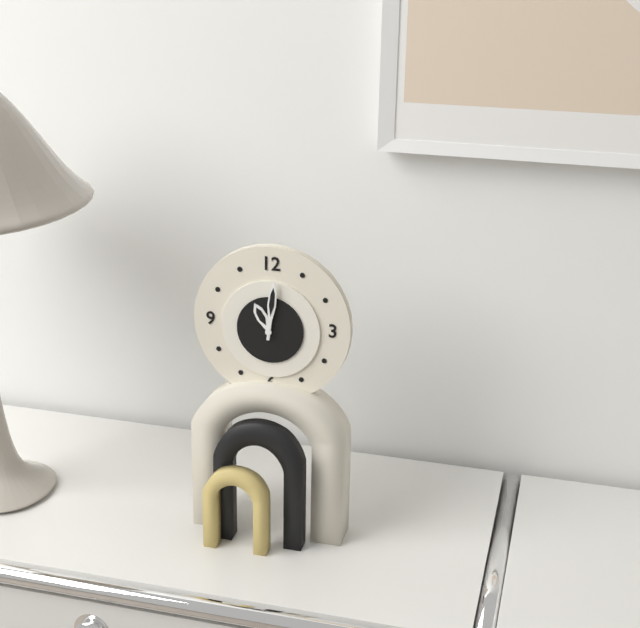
11:01
